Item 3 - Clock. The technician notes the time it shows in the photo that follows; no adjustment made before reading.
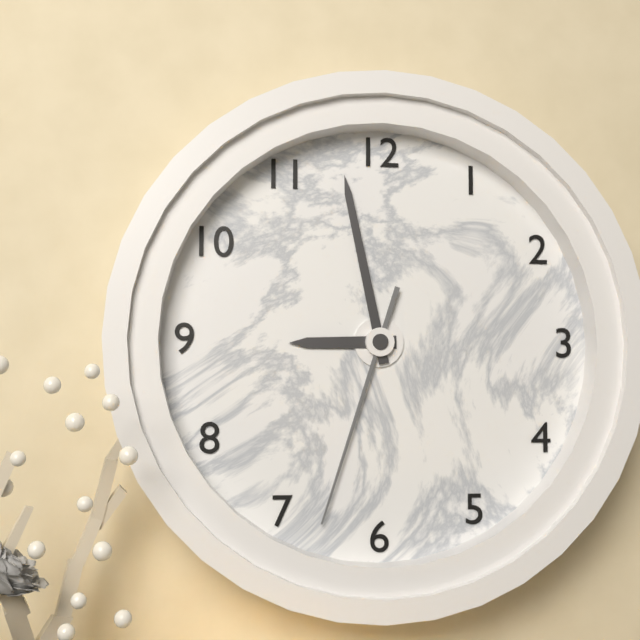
8:58:33
